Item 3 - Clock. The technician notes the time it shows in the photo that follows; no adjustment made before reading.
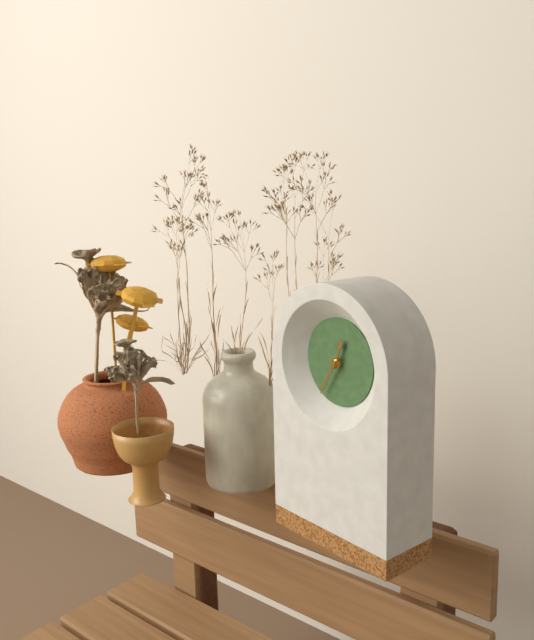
12:35
